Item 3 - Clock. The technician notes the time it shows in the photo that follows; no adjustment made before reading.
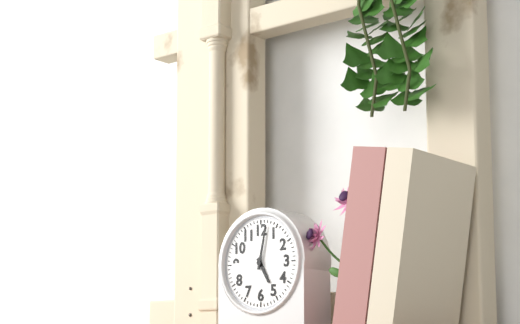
5:02
